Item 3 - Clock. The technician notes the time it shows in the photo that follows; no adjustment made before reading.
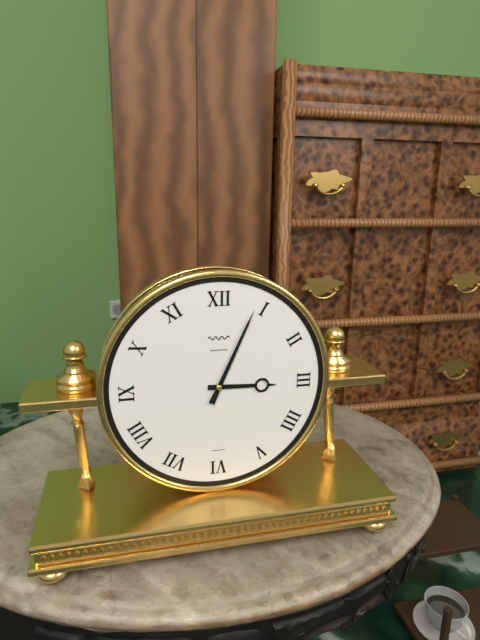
3:04
